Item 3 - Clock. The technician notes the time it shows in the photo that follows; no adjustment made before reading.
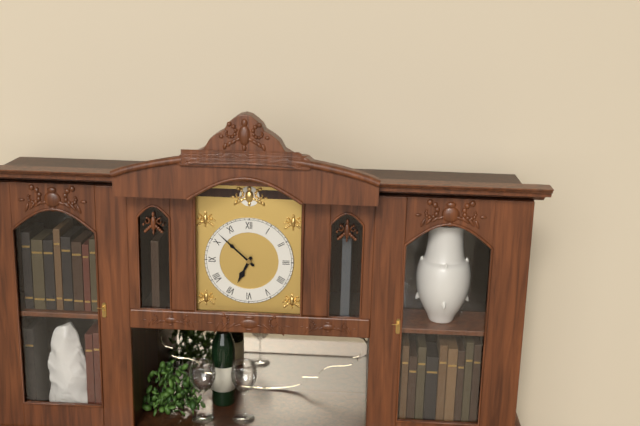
6:52
